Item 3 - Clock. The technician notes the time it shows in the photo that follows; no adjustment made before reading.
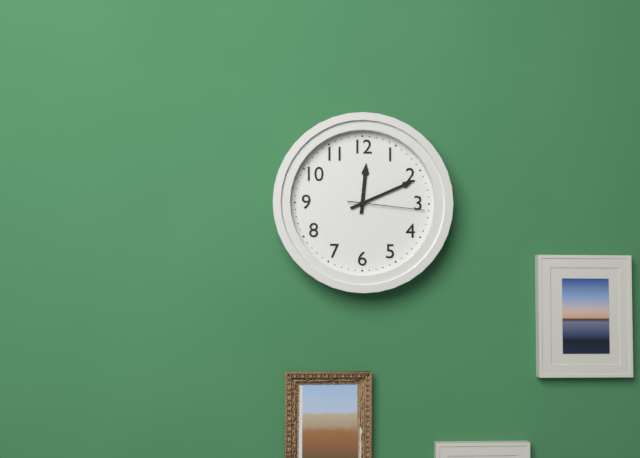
12:11:16
